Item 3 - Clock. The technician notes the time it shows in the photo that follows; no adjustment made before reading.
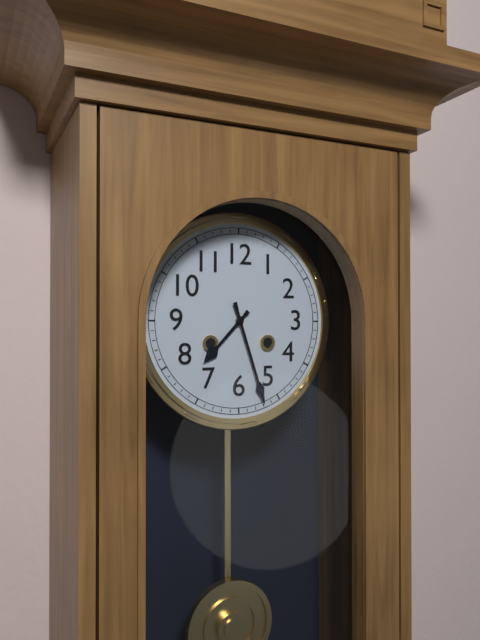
7:27
